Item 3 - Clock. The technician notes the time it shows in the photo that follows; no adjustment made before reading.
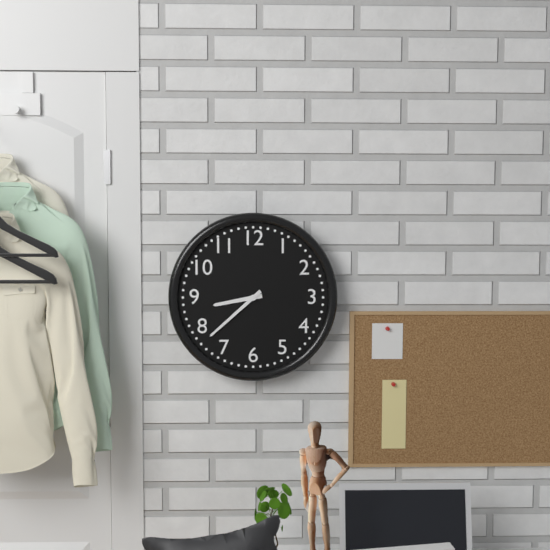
8:38
